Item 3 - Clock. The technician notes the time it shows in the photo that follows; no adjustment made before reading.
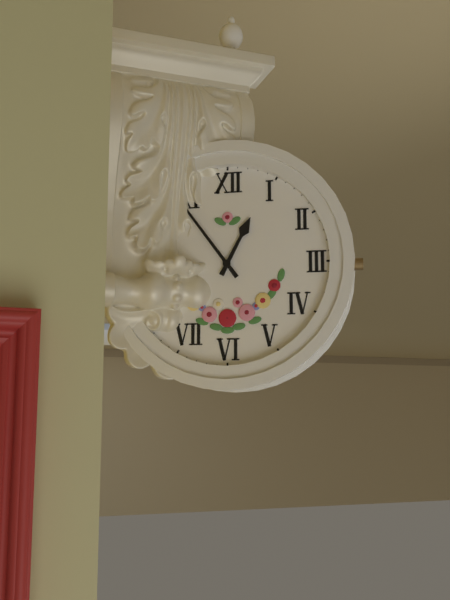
12:54
